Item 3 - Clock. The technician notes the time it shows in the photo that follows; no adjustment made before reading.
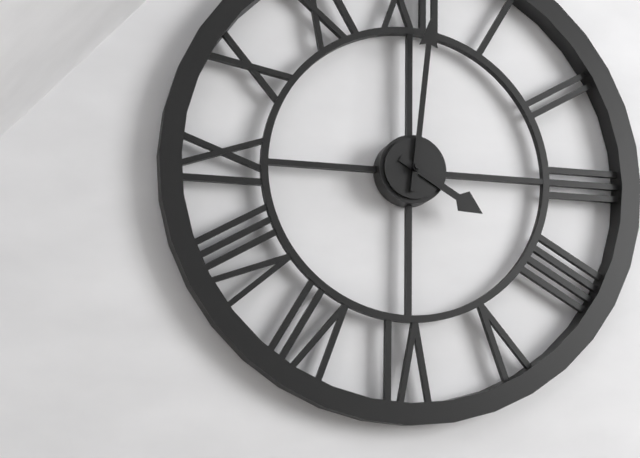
4:01
